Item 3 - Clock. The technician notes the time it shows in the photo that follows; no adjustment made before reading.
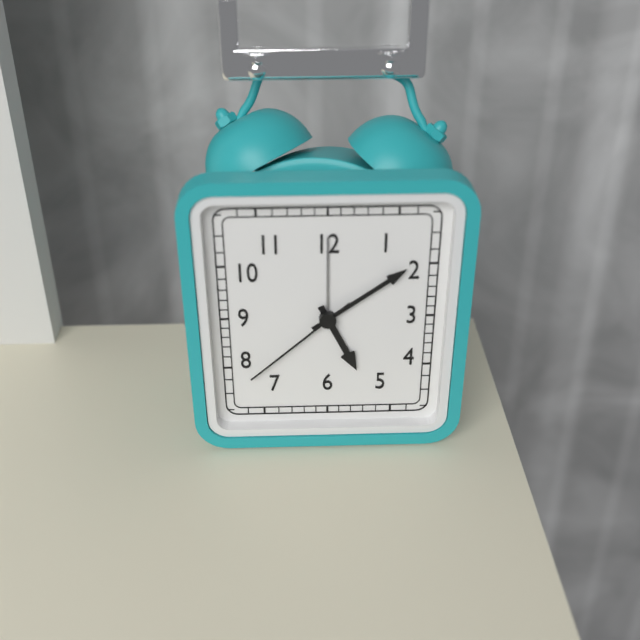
5:09:38
